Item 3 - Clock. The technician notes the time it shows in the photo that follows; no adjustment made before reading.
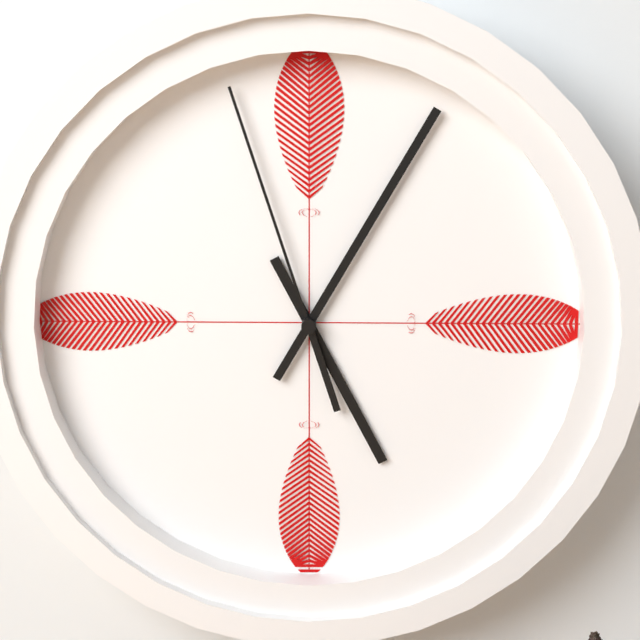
5:05:57
